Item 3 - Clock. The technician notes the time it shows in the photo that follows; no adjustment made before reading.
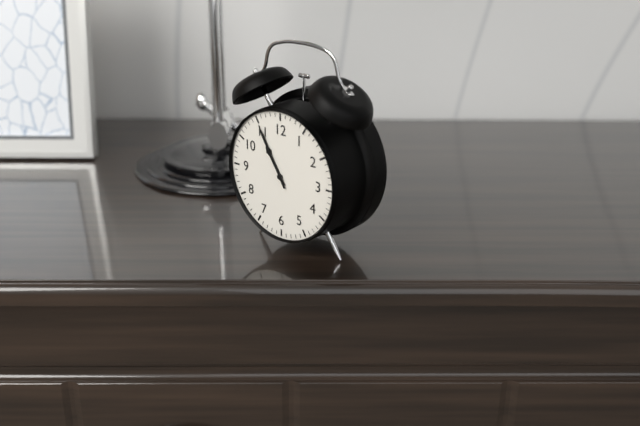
10:55
